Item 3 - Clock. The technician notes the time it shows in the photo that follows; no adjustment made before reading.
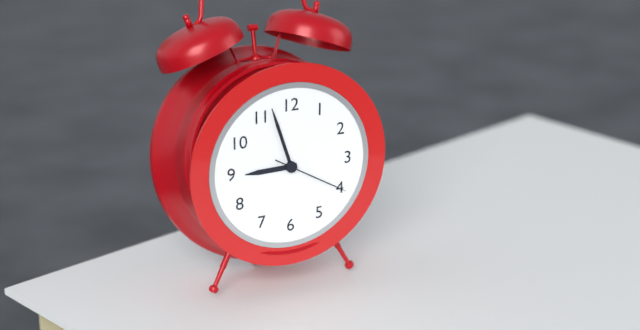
8:57:20
